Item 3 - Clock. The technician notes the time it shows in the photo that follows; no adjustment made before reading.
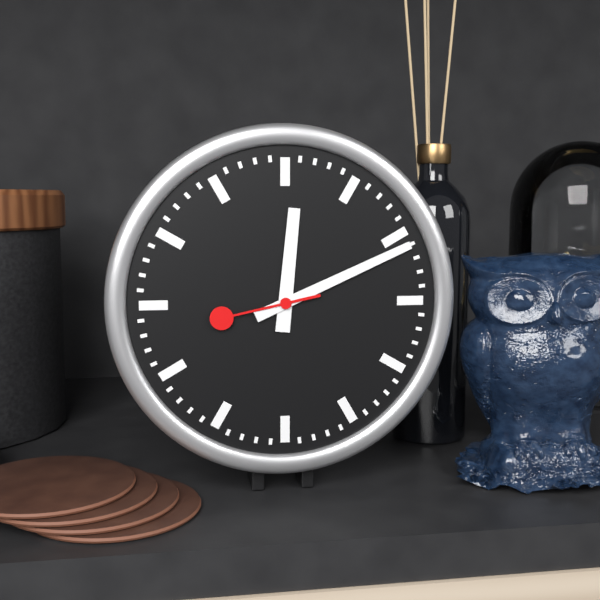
12:11:43
